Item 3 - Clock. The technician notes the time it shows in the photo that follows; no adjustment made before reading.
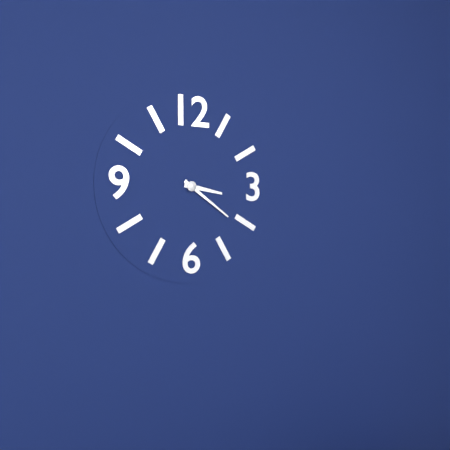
3:21
